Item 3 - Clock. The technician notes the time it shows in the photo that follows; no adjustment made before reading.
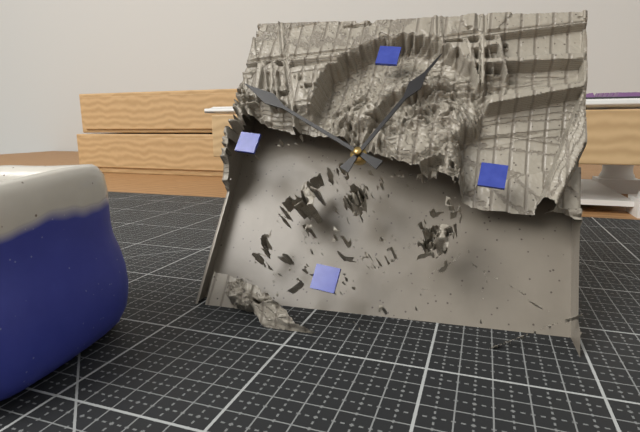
12:49
